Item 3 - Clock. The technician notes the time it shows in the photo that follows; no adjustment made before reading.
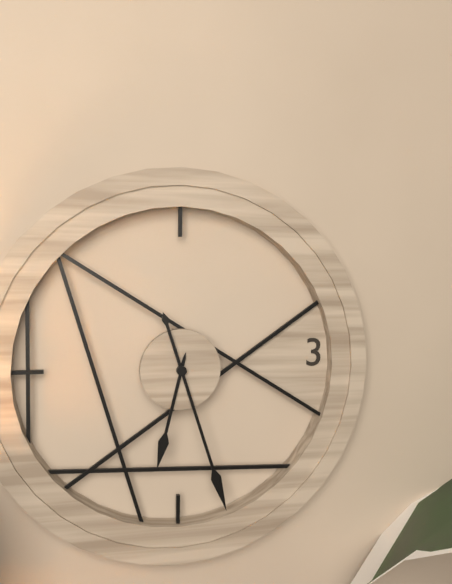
6:27
